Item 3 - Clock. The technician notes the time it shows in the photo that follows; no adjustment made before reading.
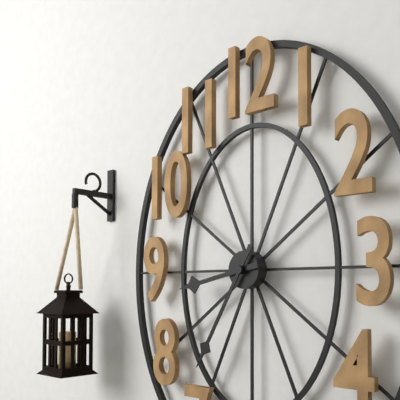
8:35
